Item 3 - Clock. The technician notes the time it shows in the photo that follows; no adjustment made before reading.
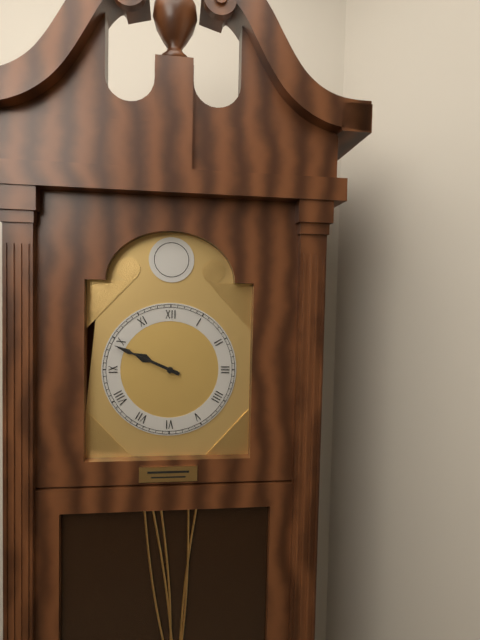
9:49
